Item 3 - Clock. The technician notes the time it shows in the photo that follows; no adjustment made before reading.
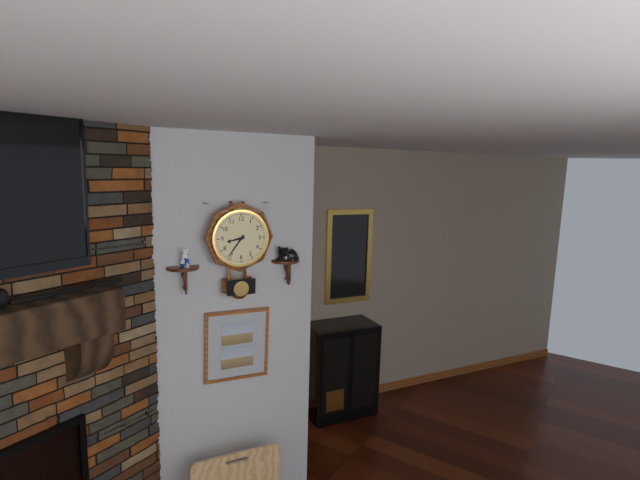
8:36
